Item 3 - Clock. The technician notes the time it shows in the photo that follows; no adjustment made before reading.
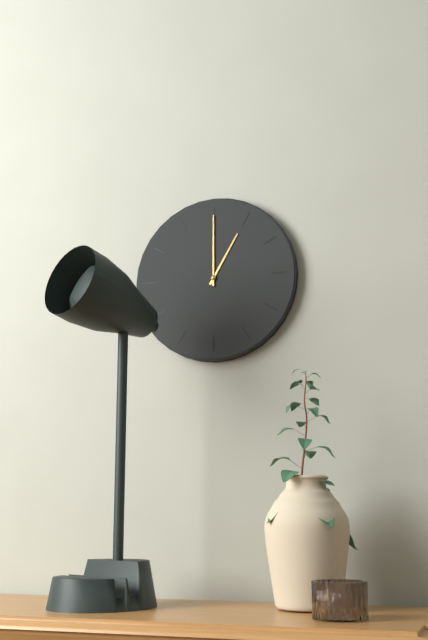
1:00
